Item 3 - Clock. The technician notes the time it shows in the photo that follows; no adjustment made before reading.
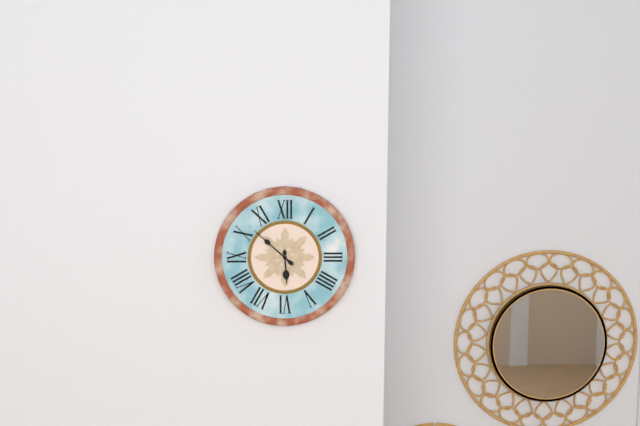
5:52
